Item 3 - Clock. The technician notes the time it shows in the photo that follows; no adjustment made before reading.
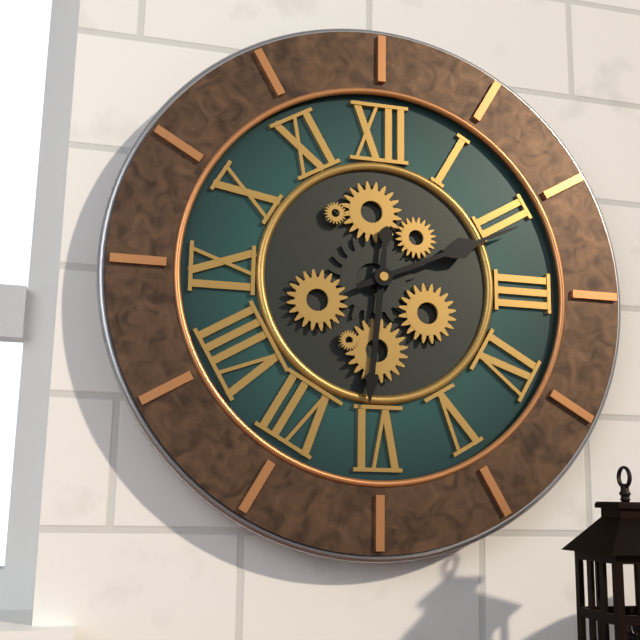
6:11
